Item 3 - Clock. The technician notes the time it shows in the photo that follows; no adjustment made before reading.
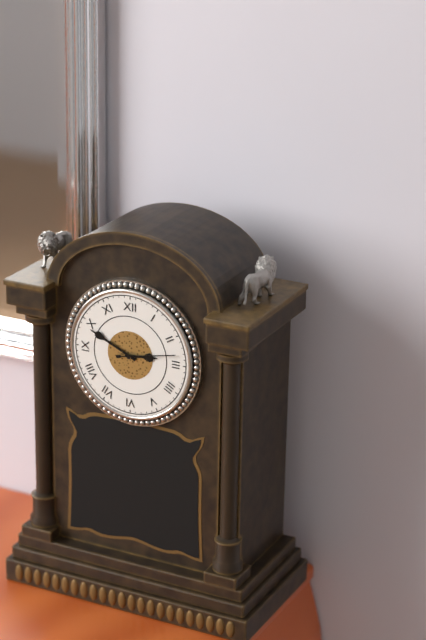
2:49:13
